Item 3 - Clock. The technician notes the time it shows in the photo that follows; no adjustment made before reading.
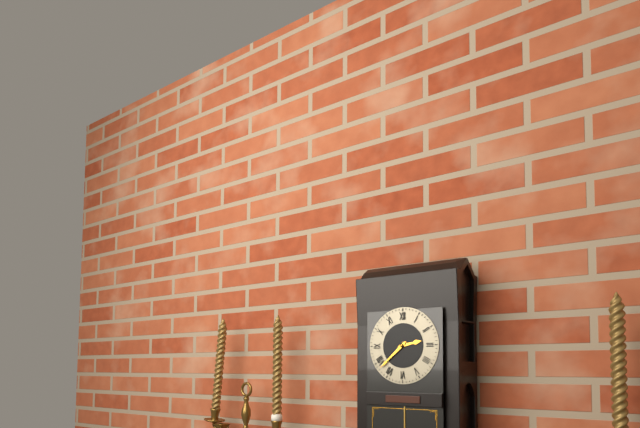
2:38
